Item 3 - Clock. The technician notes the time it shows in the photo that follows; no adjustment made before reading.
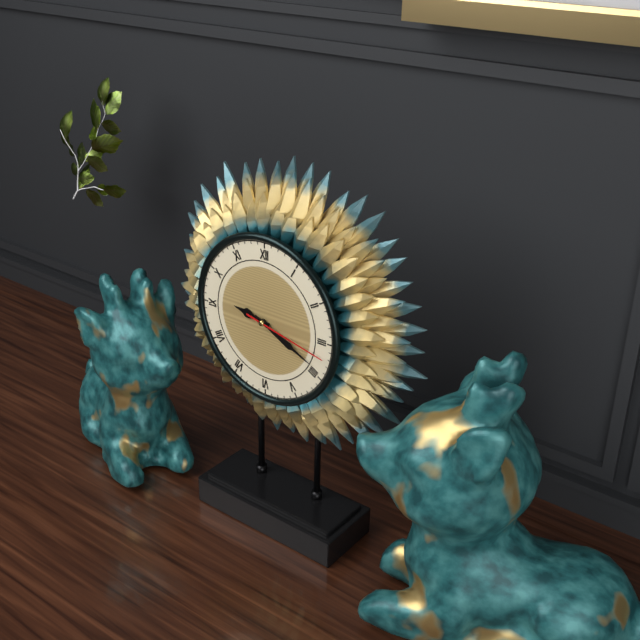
9:19:17
